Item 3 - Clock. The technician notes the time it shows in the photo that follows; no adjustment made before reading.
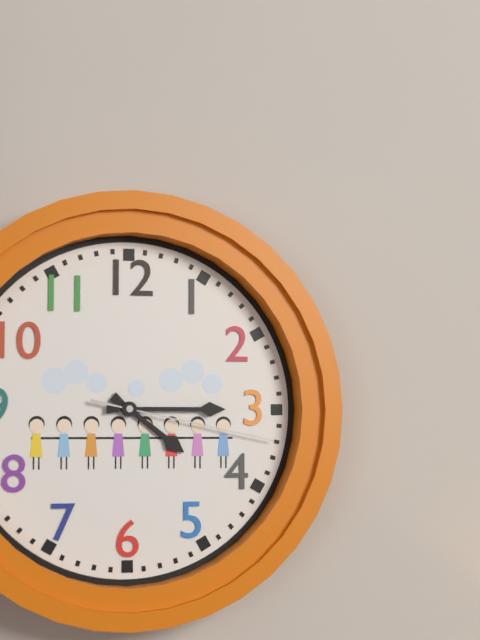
4:15:17
